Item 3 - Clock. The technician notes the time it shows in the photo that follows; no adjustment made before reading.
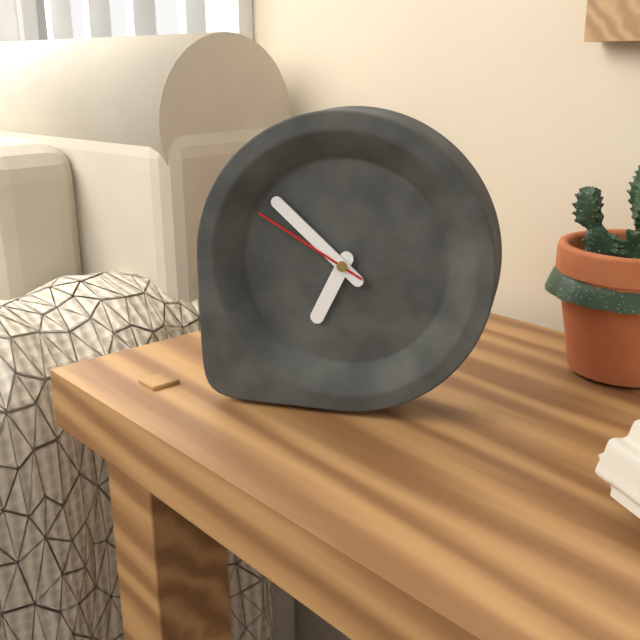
6:52:50
